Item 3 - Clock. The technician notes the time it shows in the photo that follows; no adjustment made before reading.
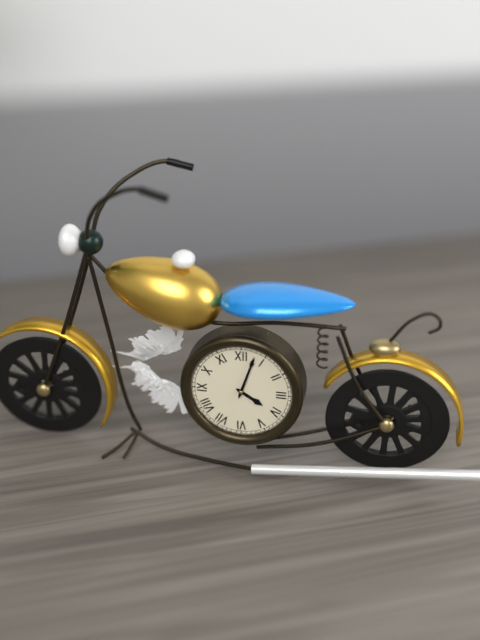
4:03
